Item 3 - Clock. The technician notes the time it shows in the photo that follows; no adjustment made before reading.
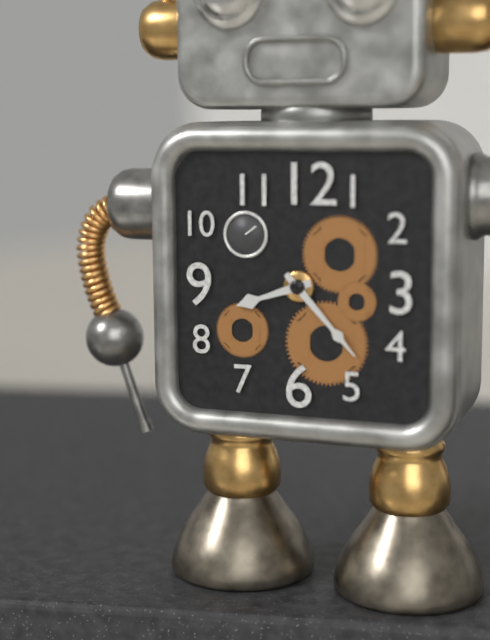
8:23
